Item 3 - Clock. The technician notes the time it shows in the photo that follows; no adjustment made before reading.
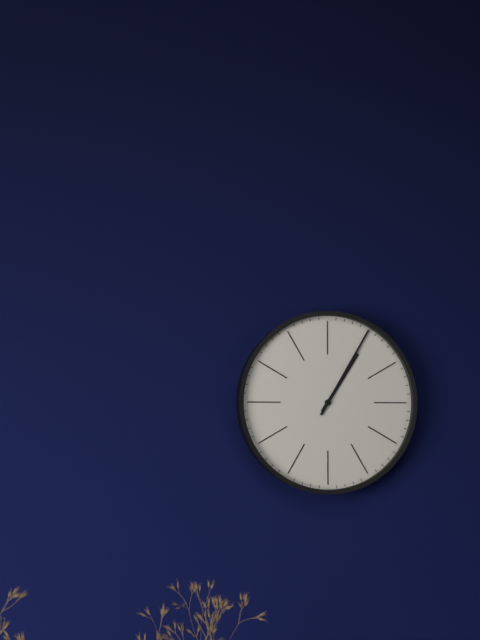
1:05
